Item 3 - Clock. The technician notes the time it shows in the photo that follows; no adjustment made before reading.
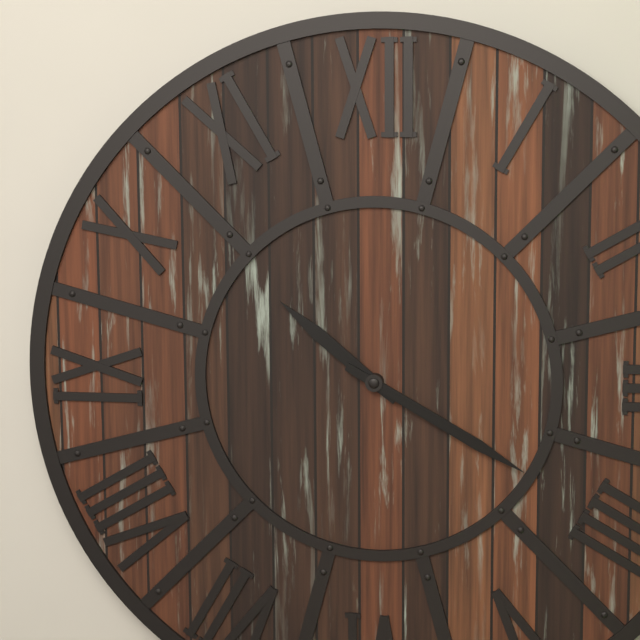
10:20
